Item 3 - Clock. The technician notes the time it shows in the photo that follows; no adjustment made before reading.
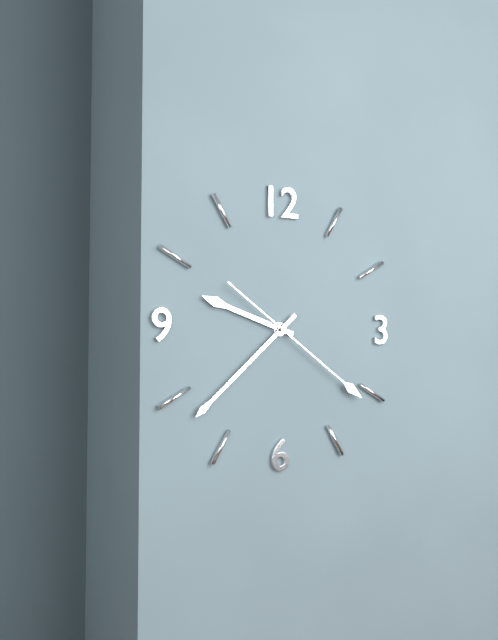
9:38:21
